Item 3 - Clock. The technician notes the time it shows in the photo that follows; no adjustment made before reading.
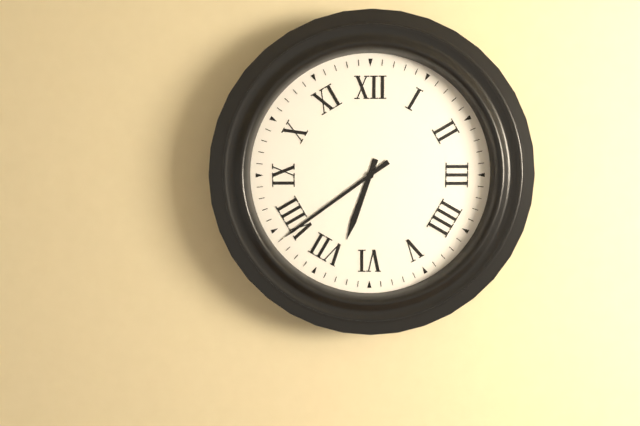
6:39
